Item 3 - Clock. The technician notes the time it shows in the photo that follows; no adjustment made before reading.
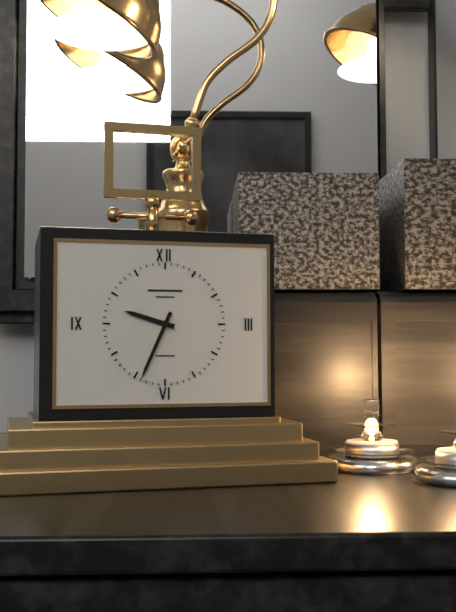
9:34
